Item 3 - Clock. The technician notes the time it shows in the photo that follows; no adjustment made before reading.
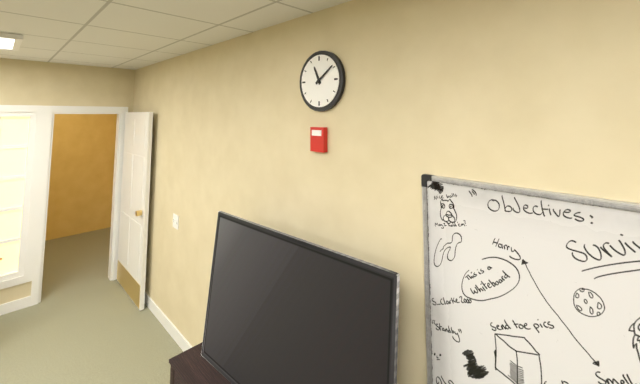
11:09
